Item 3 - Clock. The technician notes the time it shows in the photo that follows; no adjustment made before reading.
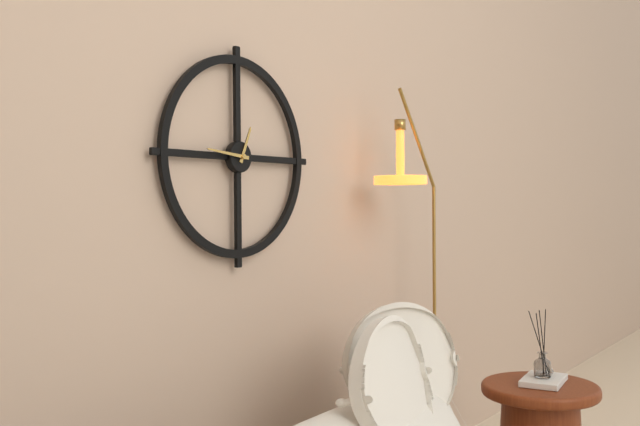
12:46
